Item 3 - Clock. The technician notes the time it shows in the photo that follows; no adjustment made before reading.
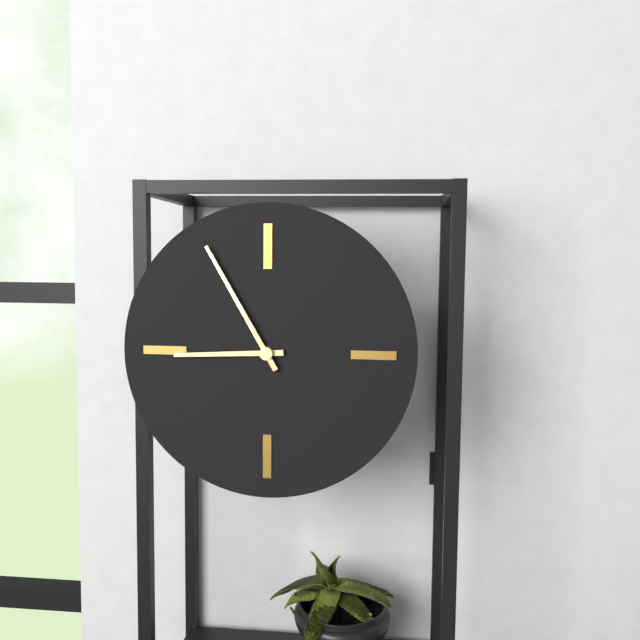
8:55
